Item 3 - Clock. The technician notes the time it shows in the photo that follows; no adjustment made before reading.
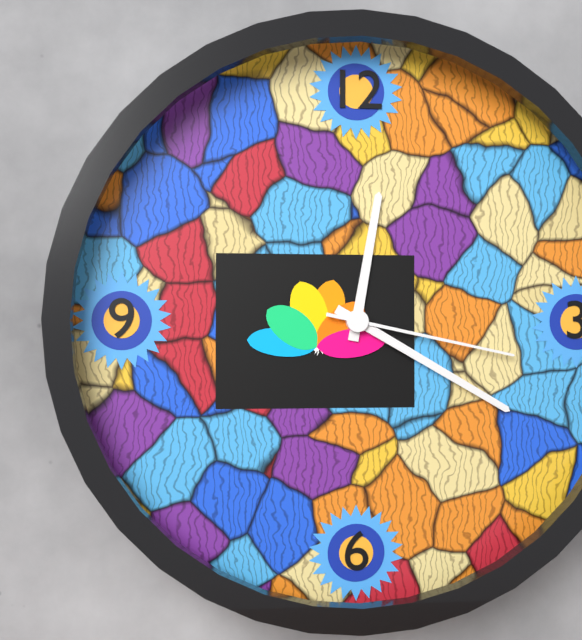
12:20:17
